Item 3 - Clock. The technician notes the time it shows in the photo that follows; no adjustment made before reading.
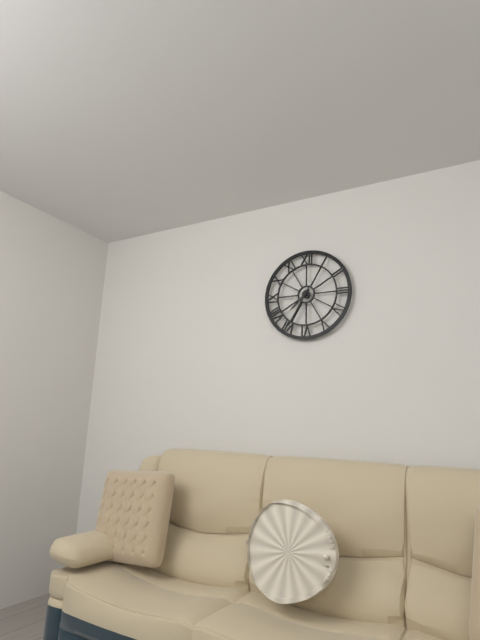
7:35
